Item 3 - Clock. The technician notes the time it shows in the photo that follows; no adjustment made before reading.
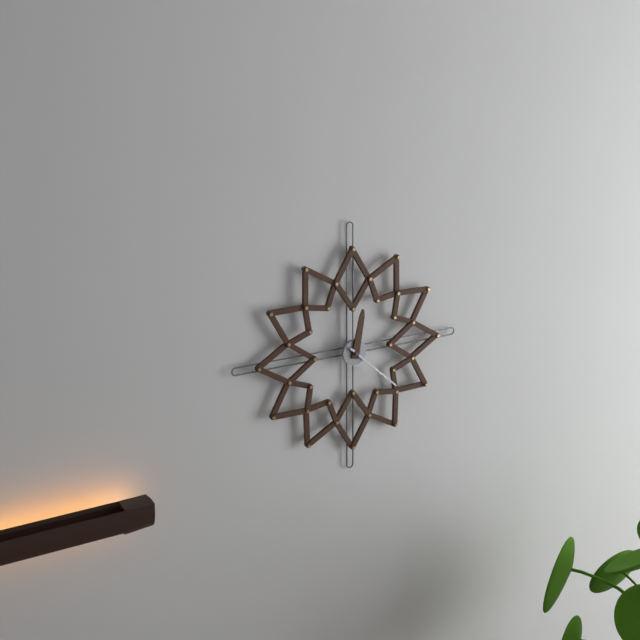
12:22
